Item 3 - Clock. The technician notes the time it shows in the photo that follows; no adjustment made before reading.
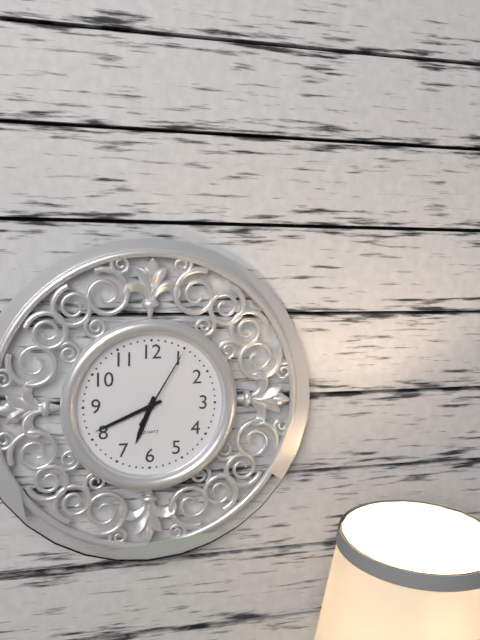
6:41:05
